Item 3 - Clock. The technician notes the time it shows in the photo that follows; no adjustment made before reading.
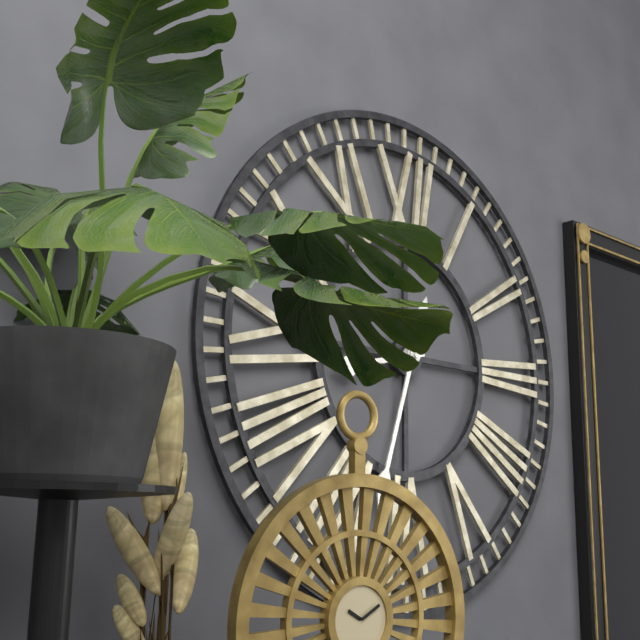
8:33
